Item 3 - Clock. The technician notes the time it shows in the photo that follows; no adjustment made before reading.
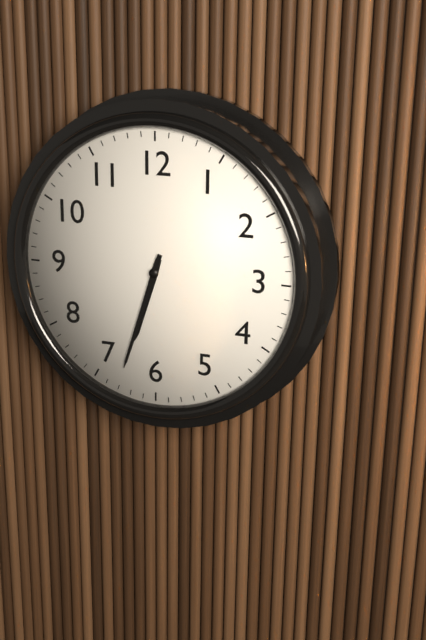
6:33
